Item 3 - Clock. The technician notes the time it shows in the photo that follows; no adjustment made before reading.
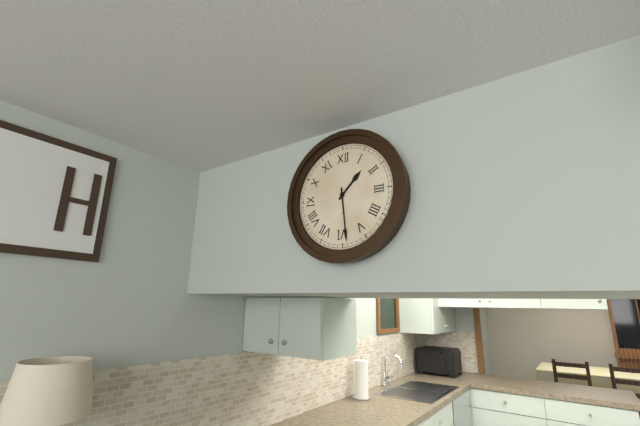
1:29
